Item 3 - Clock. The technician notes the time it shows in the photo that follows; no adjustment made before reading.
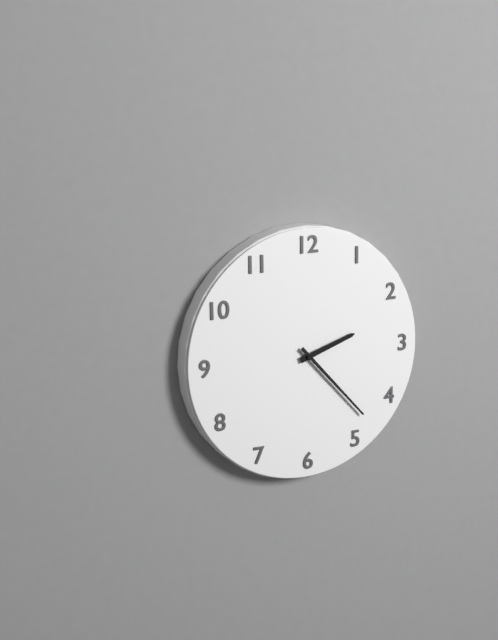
2:23
